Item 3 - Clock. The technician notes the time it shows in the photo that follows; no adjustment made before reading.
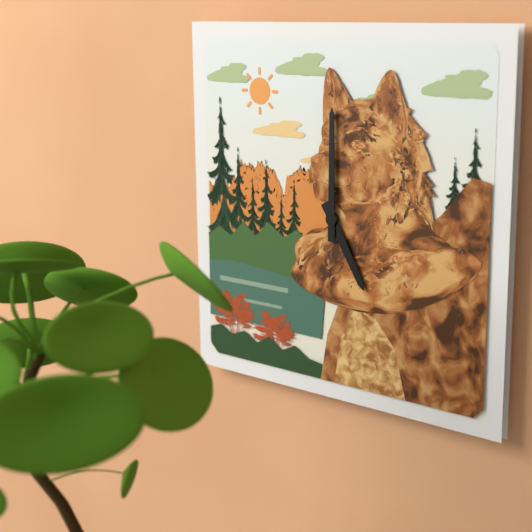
5:00
